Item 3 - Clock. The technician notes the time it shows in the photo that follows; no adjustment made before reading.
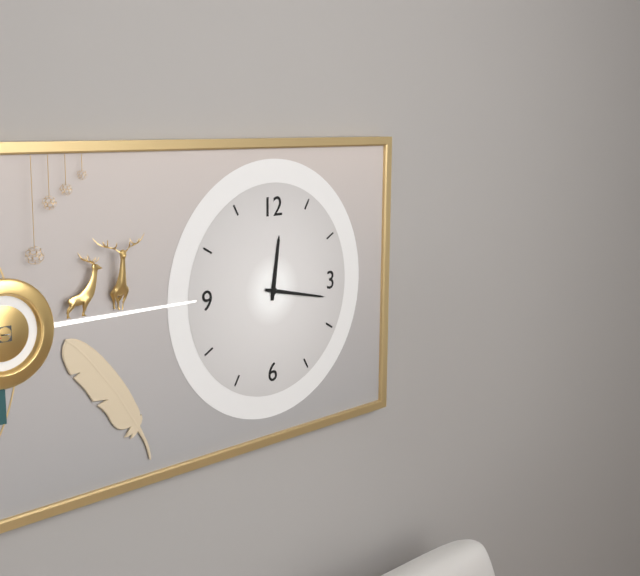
12:17
